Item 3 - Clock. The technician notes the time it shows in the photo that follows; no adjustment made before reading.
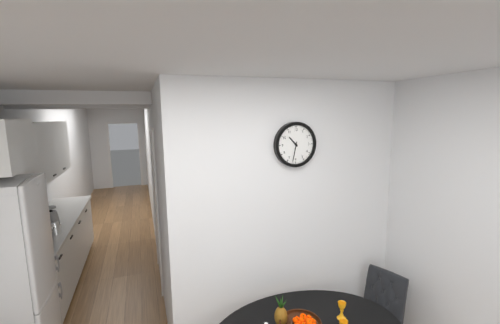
10:32
